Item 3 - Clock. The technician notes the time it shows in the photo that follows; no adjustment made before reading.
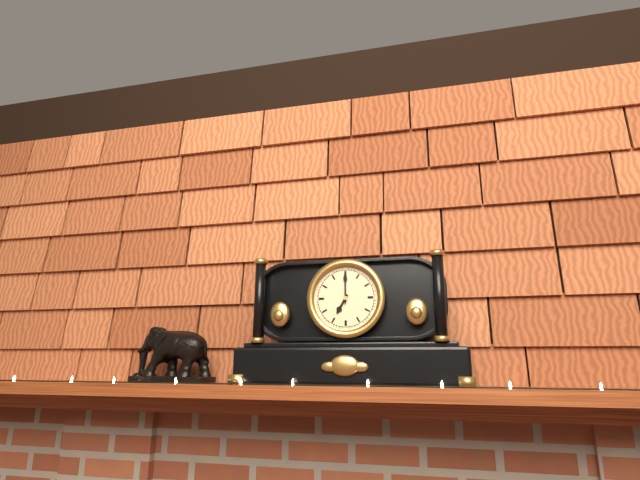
7:00
